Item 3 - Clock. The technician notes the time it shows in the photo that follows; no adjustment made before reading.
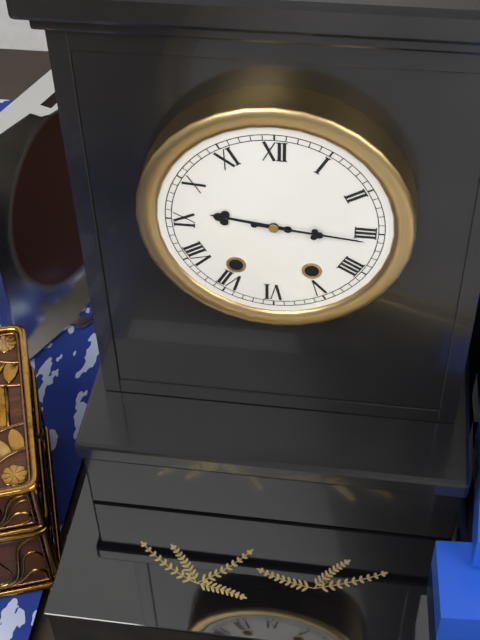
9:16
